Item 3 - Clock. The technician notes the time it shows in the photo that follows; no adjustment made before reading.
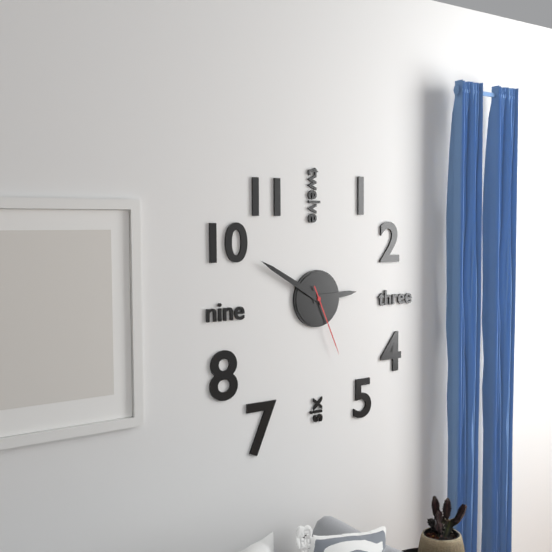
2:50:26
